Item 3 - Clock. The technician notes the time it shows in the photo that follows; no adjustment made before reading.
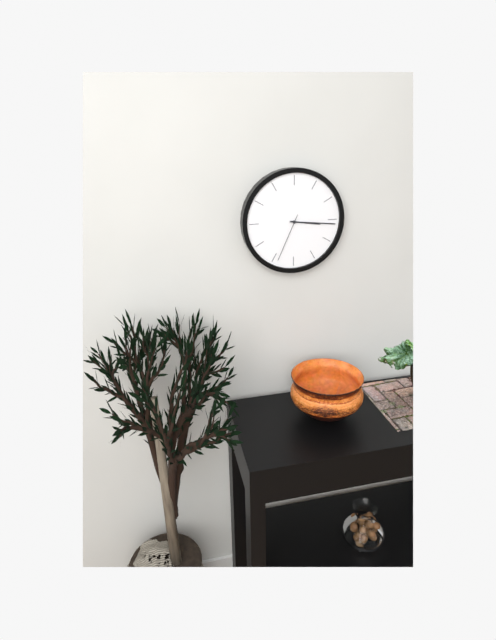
3:16:34
